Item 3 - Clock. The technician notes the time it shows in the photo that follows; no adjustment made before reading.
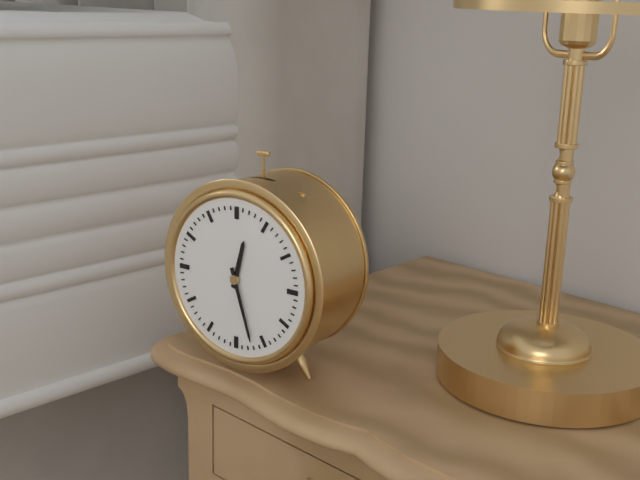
12:27
